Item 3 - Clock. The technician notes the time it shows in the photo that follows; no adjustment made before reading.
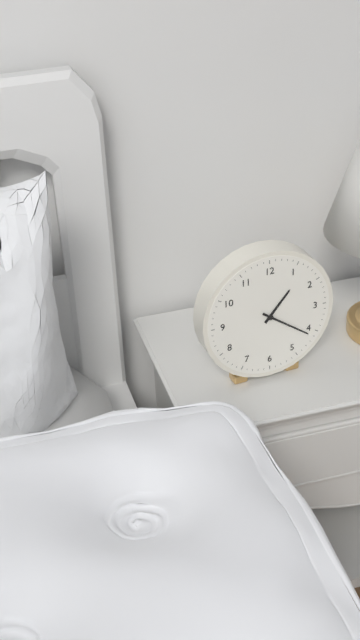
1:21
